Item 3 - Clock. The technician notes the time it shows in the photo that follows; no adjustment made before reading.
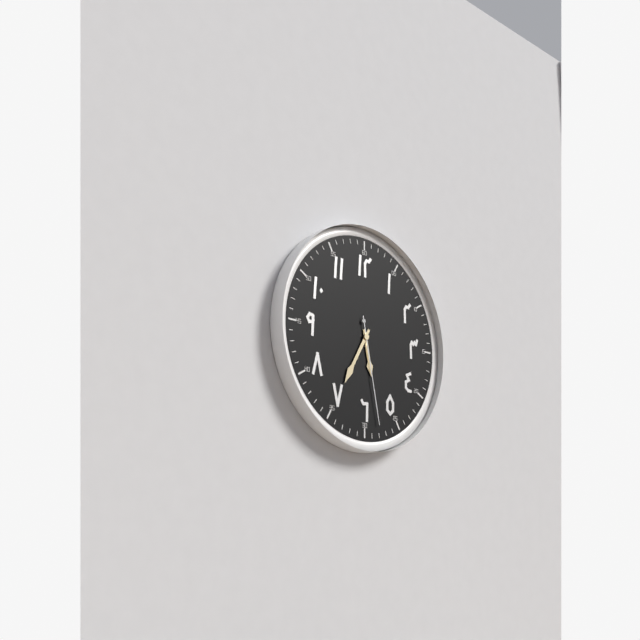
5:35:28
